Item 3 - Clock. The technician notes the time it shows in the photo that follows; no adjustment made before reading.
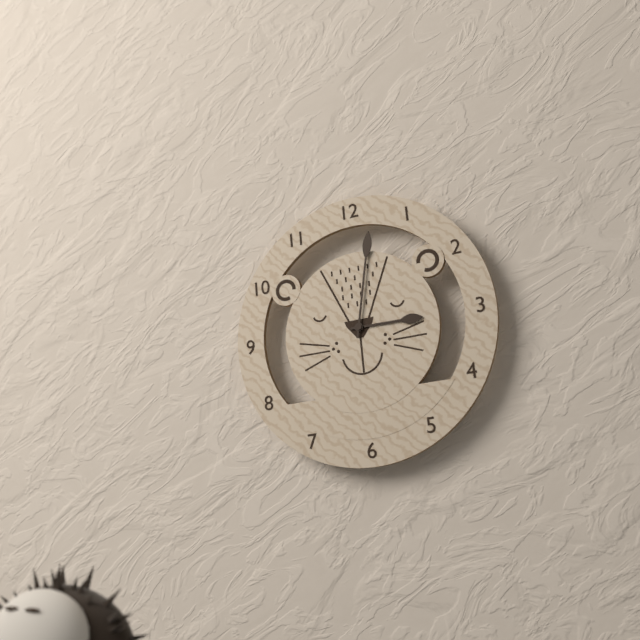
3:02
